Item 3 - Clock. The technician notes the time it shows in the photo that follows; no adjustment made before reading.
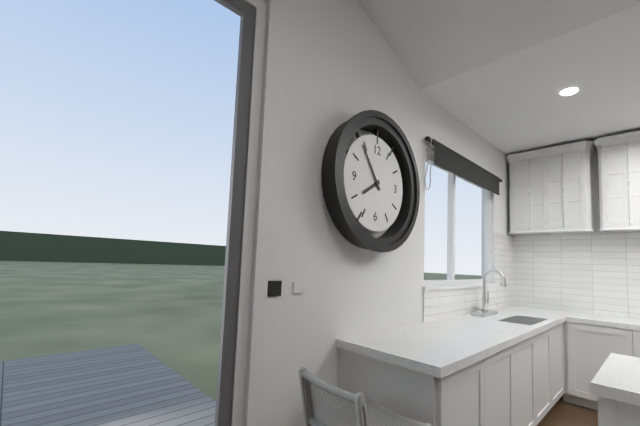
7:54
